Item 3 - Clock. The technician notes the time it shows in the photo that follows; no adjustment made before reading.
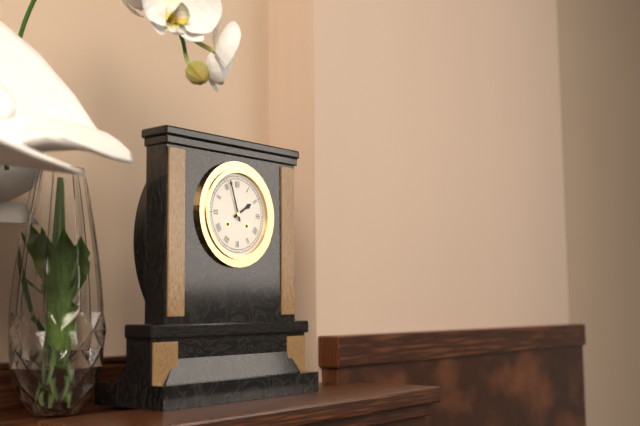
1:57
